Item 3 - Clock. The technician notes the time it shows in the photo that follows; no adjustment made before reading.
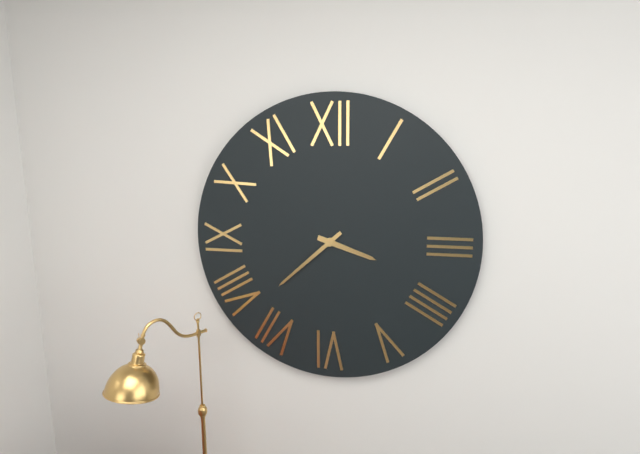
3:38
